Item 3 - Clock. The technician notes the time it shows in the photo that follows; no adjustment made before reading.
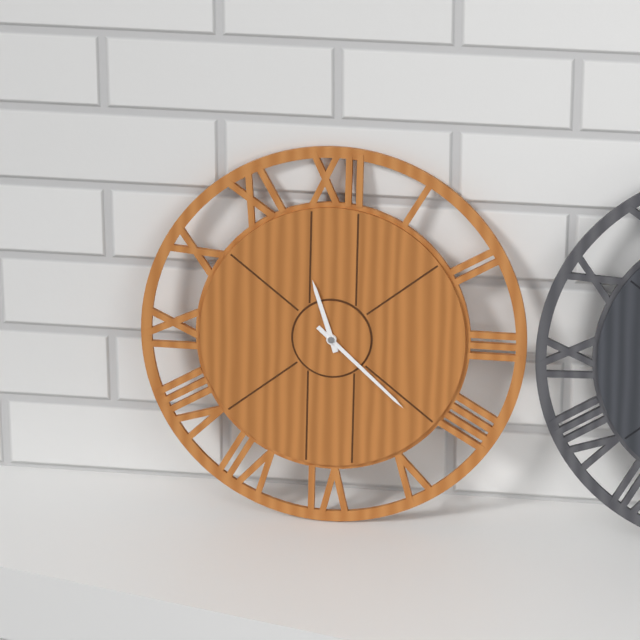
11:22
